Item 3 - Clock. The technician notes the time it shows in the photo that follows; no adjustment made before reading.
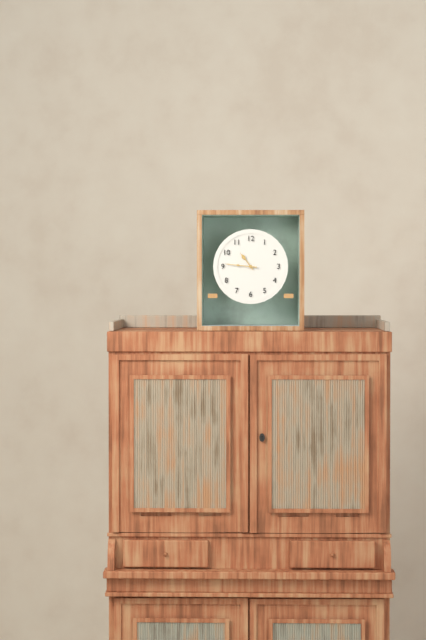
10:46
